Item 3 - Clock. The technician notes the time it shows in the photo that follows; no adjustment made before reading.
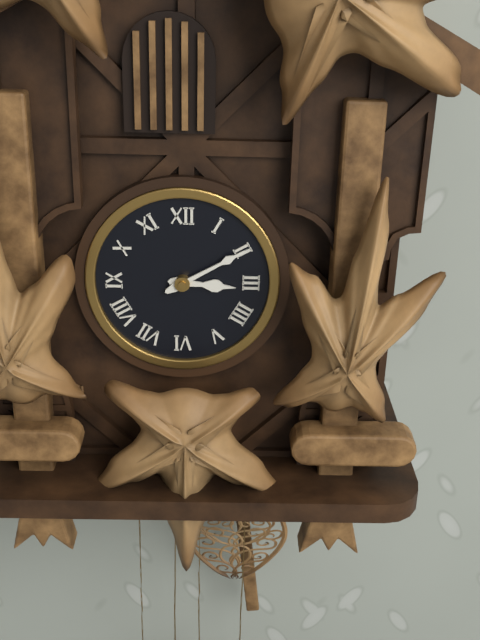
3:10
